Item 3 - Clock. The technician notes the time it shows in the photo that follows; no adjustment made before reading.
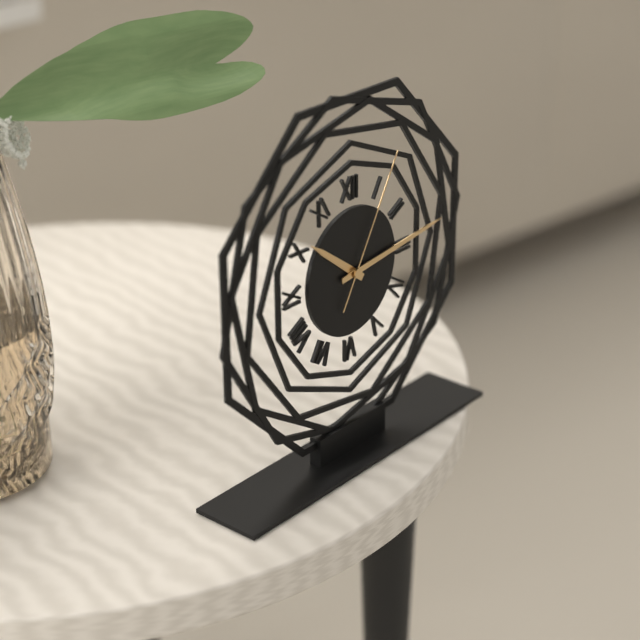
10:14:05
